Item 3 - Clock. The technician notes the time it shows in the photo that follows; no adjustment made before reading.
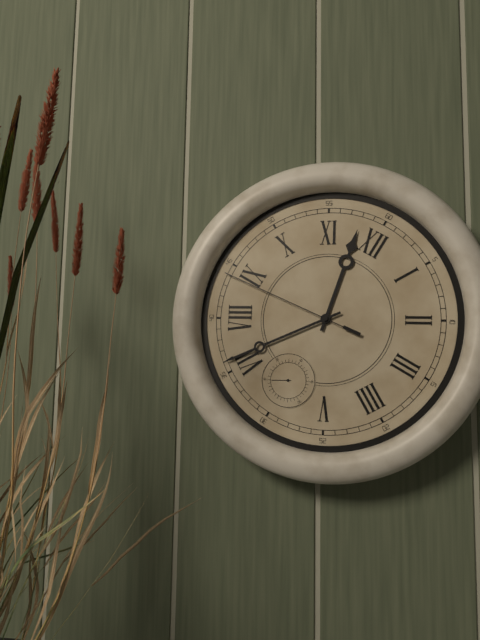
11:36:44
